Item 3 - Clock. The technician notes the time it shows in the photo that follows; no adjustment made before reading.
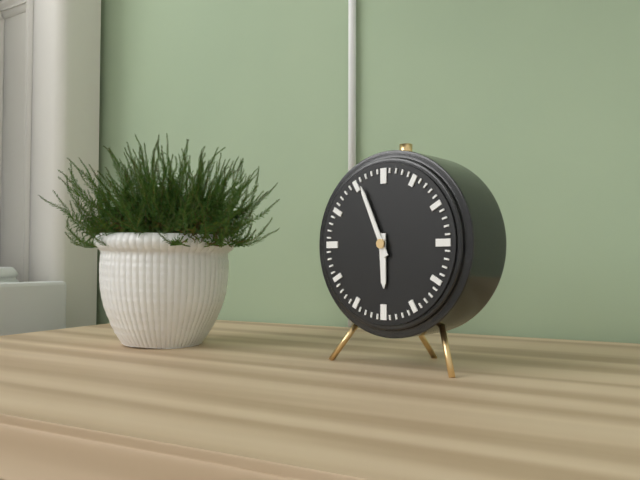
5:56
